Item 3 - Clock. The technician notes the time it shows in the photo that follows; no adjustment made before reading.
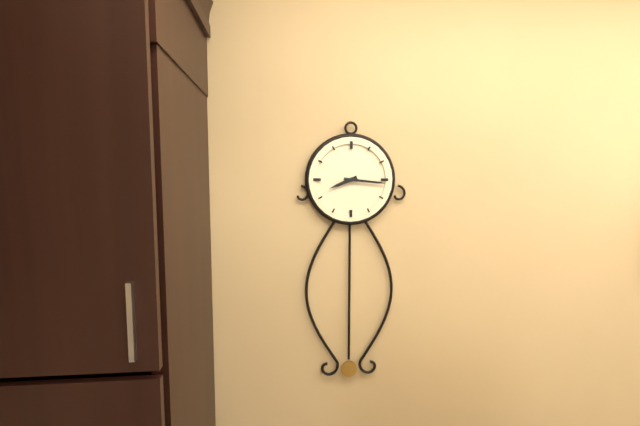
8:16
